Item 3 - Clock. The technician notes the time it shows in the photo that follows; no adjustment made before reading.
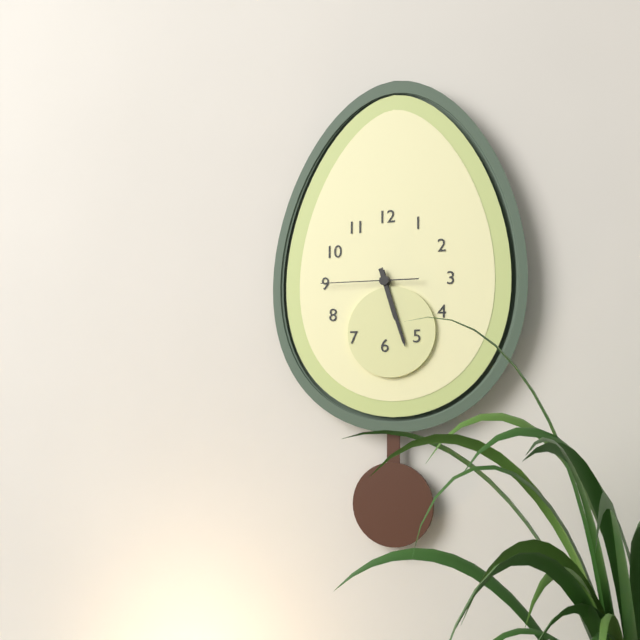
5:27:45
